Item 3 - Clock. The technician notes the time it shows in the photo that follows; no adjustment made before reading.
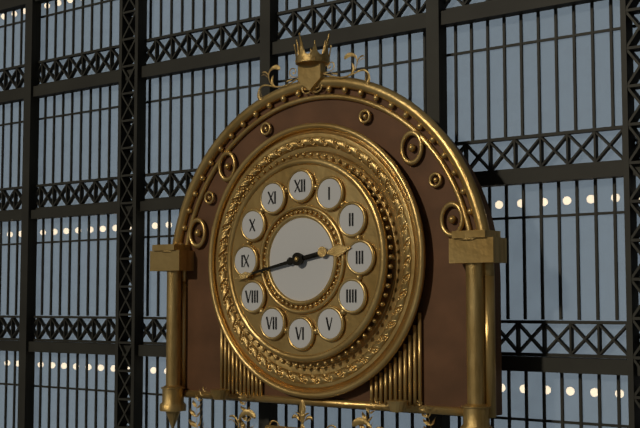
2:43
